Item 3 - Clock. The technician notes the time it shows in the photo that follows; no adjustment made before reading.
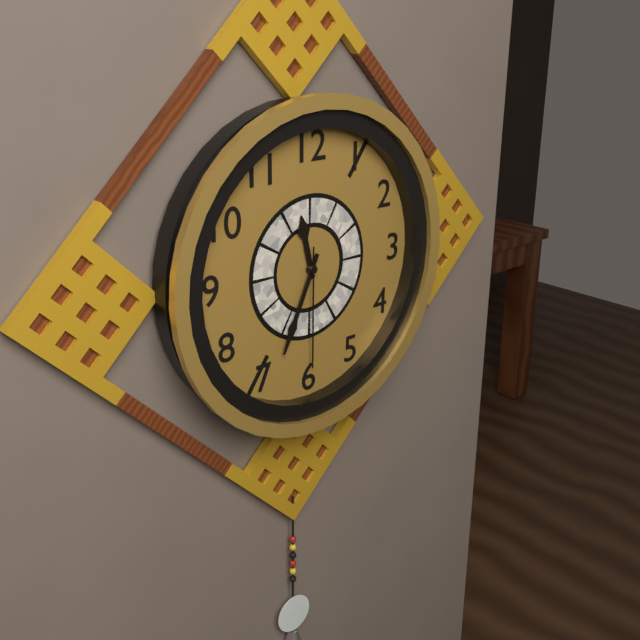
11:34:30
